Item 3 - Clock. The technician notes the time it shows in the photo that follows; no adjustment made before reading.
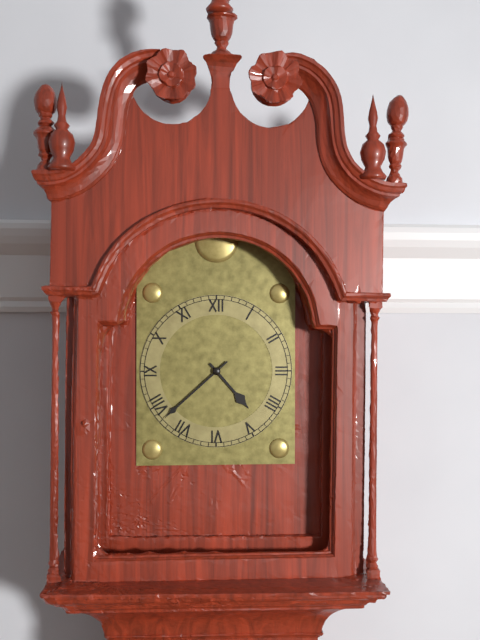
4:38
